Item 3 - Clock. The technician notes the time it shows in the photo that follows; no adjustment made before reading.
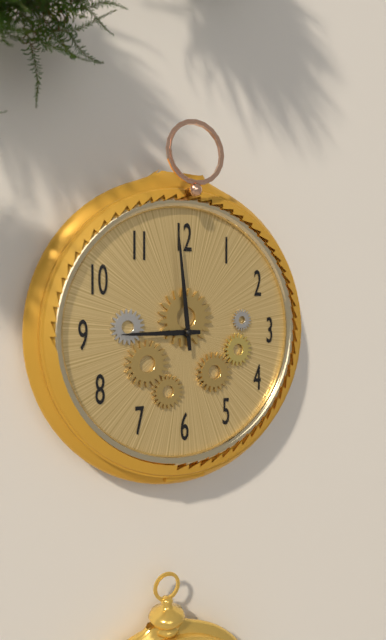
8:59
